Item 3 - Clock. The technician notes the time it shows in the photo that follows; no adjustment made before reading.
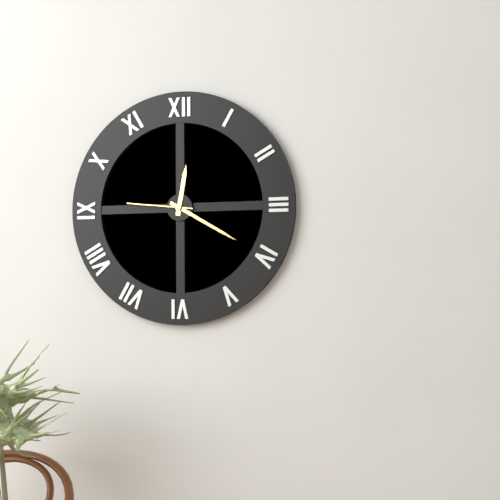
12:20:46
